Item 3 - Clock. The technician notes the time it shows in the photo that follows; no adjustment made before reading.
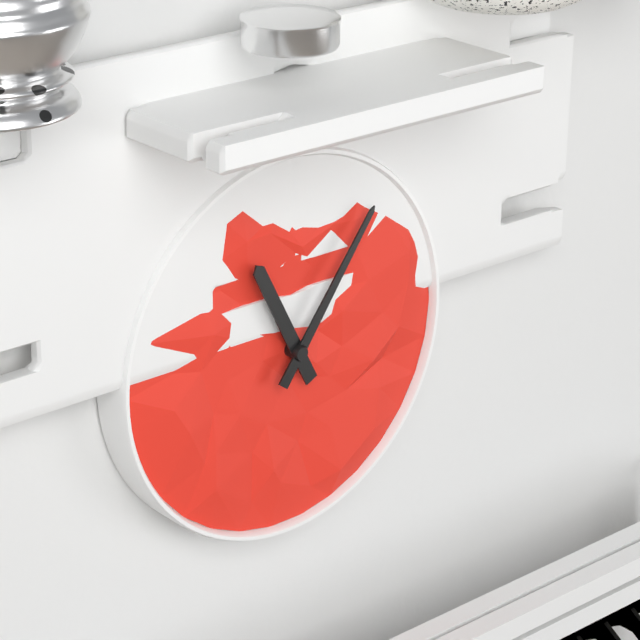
11:06
